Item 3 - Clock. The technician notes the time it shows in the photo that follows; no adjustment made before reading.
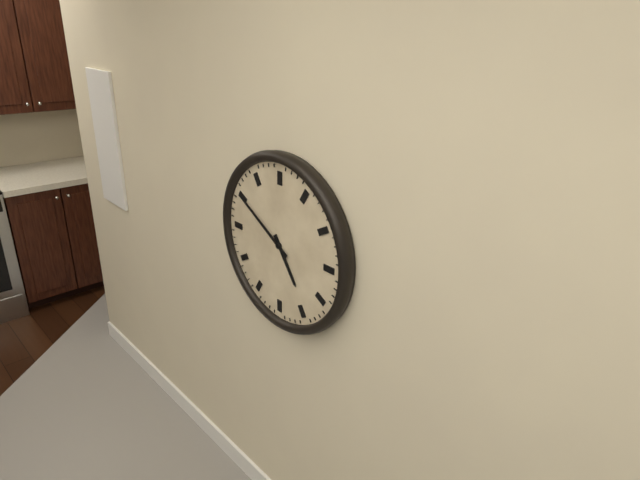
4:50
